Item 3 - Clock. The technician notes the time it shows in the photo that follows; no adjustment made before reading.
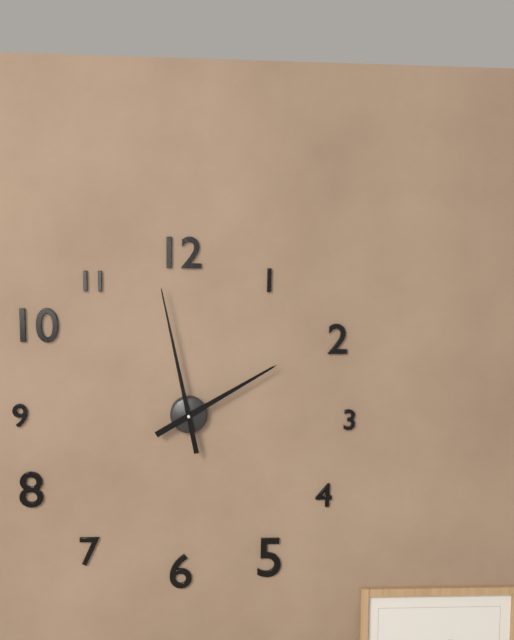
1:58
